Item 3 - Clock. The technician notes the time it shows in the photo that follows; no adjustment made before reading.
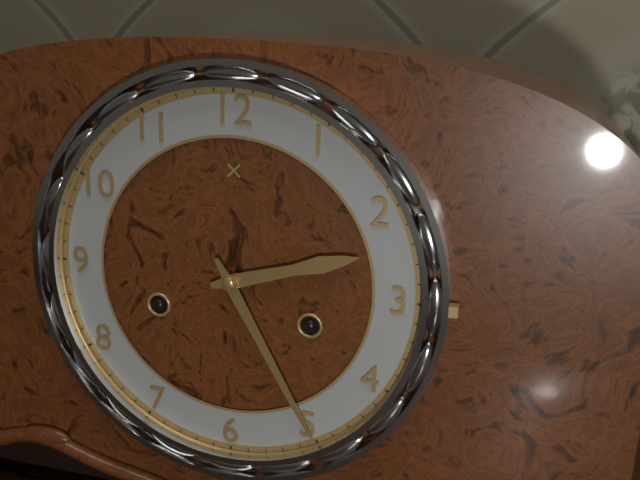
2:25
